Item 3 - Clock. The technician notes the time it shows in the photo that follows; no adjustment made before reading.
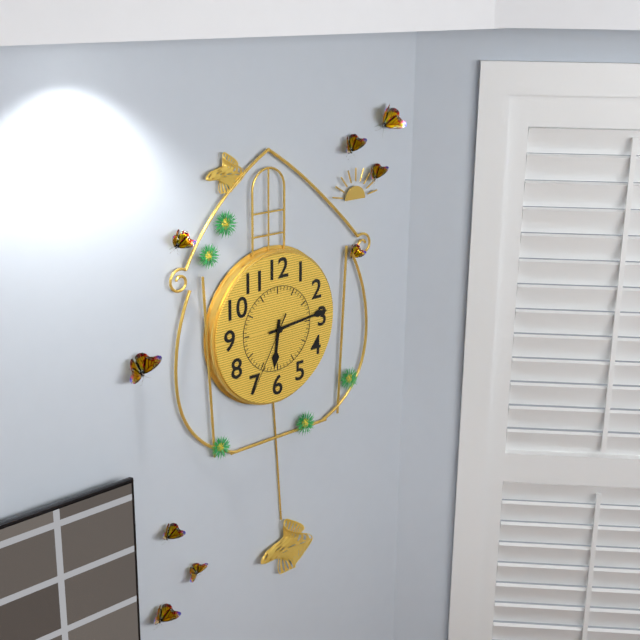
6:14:35
